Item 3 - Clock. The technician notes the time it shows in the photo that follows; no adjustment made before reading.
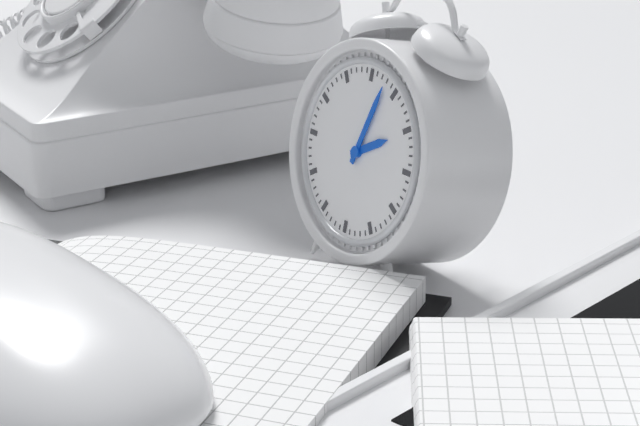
2:03
